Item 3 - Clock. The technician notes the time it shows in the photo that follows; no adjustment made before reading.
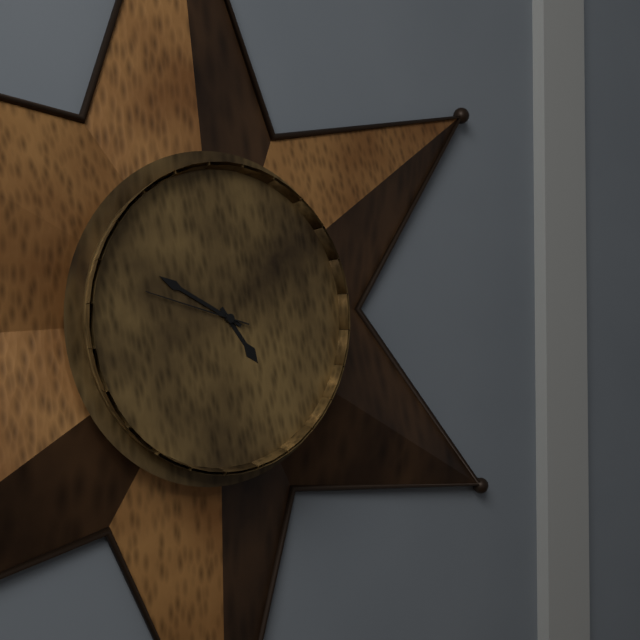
4:50:48
